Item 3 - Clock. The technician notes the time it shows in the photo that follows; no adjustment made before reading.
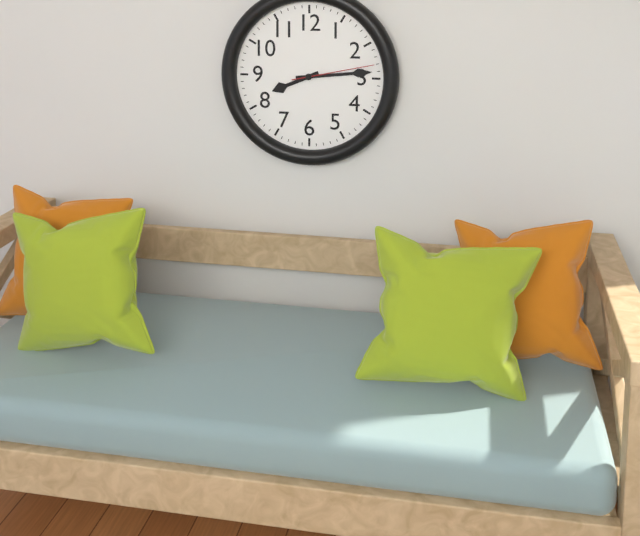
8:14:13
